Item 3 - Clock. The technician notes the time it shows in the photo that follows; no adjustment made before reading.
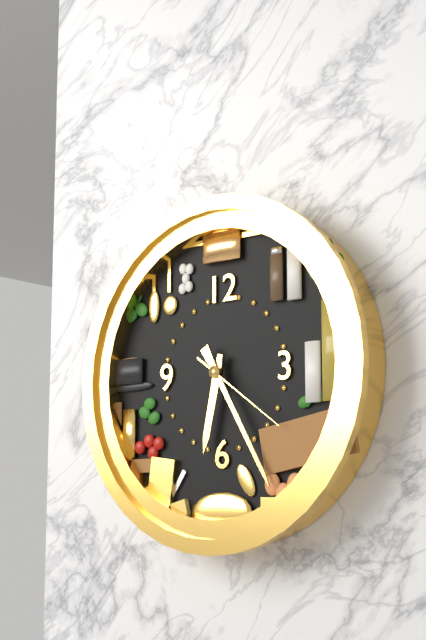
6:25:21
